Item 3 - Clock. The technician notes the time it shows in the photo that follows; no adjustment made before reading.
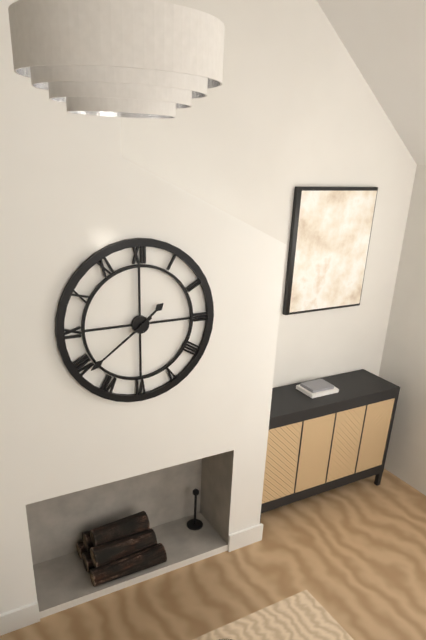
1:39
